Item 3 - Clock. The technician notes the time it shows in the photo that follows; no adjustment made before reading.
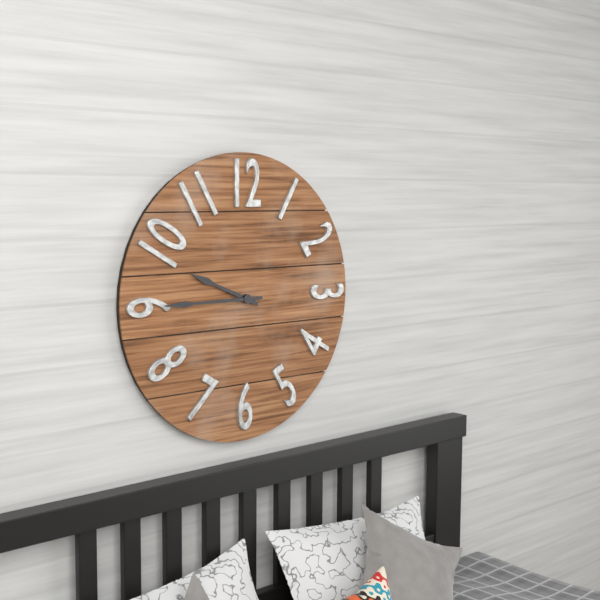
9:45
